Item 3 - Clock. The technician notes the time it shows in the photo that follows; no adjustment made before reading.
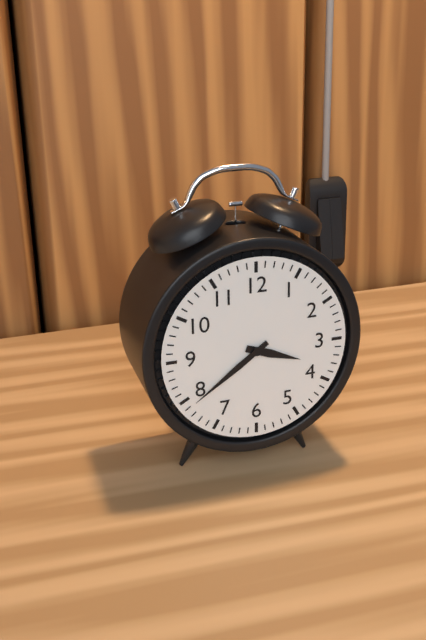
3:39
